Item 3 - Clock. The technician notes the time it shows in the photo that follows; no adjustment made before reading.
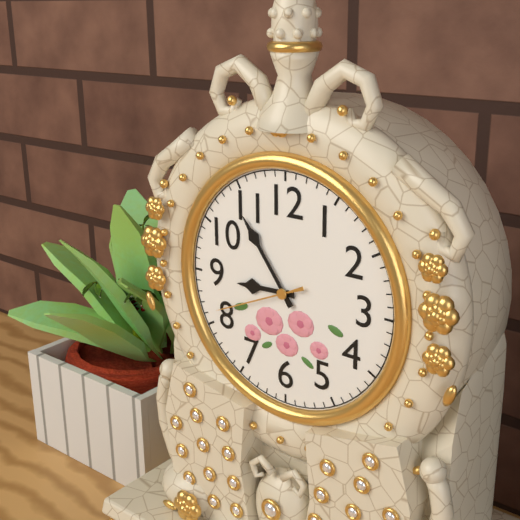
8:54:41
